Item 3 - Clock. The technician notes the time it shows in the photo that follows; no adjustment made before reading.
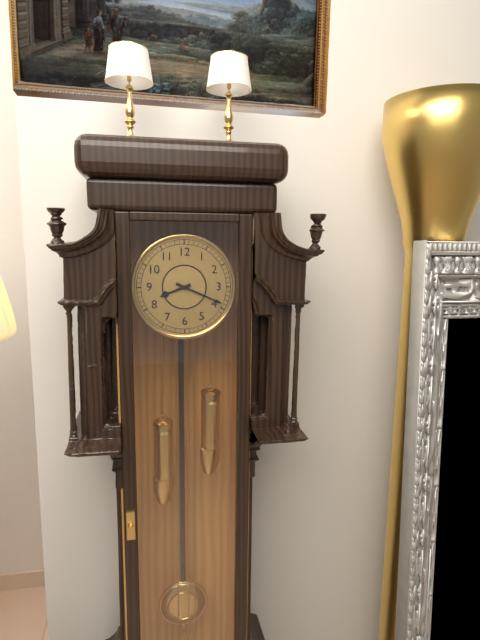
8:19
